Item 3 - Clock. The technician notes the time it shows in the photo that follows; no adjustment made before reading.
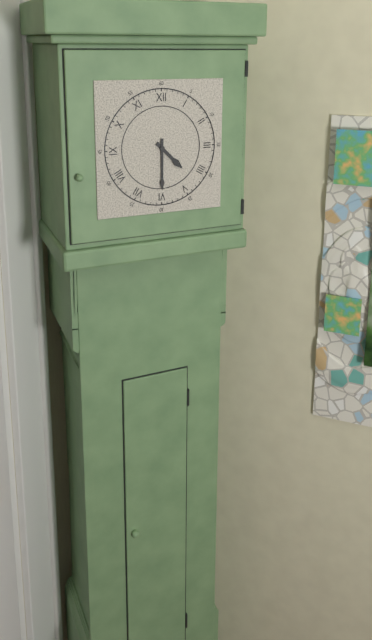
4:30
